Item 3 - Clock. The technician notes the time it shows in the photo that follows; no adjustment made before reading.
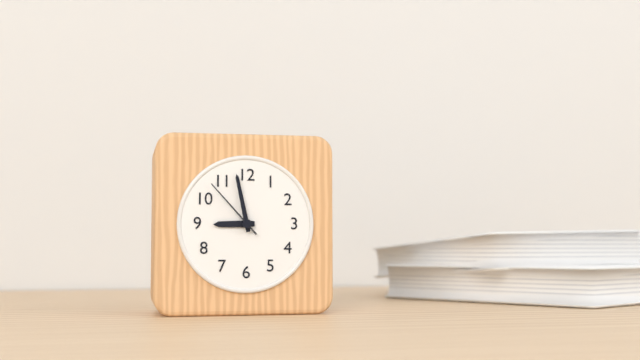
8:58:53
